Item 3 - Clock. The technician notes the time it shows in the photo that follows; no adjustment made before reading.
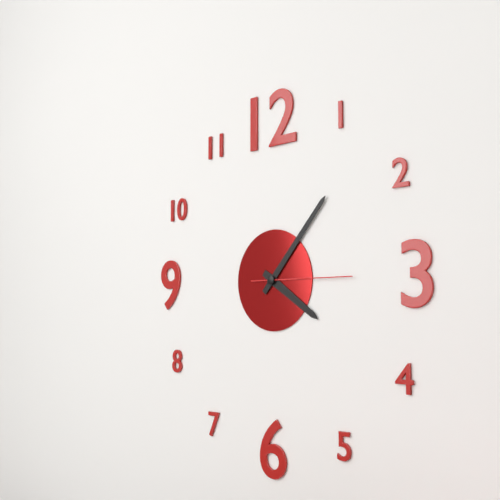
4:07:15
